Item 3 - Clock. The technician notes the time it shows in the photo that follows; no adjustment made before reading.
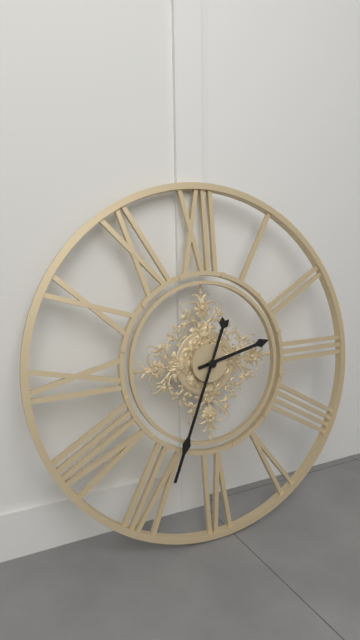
2:34
